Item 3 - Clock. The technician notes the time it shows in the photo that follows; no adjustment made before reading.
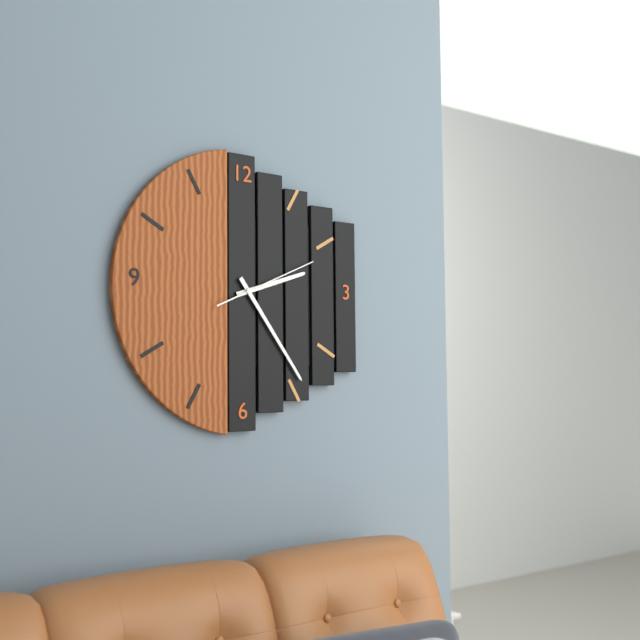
2:24:11
